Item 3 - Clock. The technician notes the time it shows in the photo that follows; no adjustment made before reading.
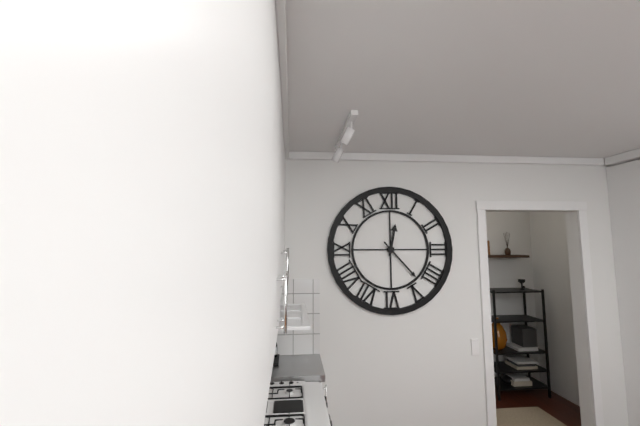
12:23
